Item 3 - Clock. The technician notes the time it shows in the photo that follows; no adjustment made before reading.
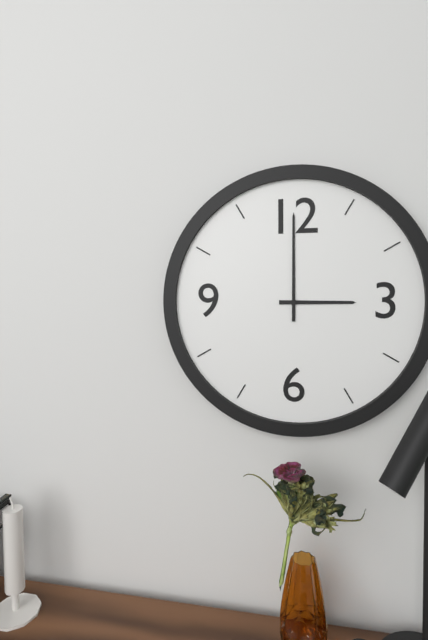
3:00
